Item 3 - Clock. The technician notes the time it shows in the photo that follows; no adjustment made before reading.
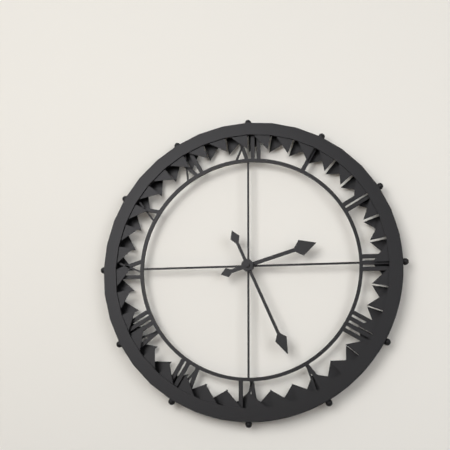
2:26
